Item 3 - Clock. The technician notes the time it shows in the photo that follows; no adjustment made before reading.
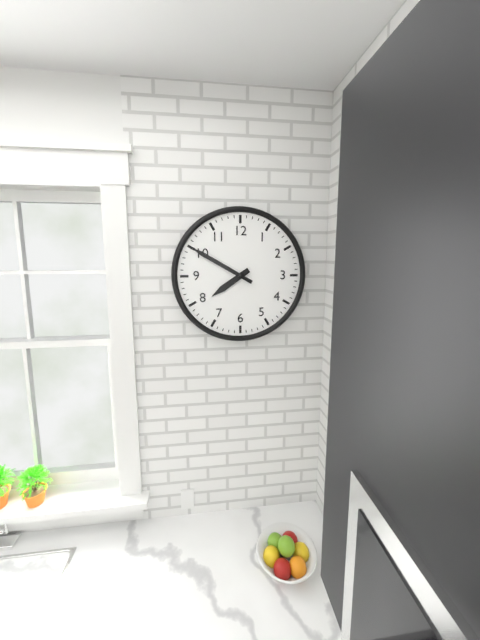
7:50
